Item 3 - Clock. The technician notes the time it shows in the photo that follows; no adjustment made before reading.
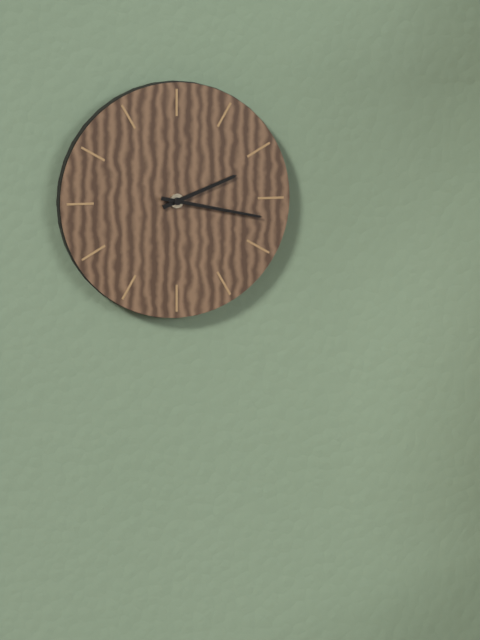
2:17
